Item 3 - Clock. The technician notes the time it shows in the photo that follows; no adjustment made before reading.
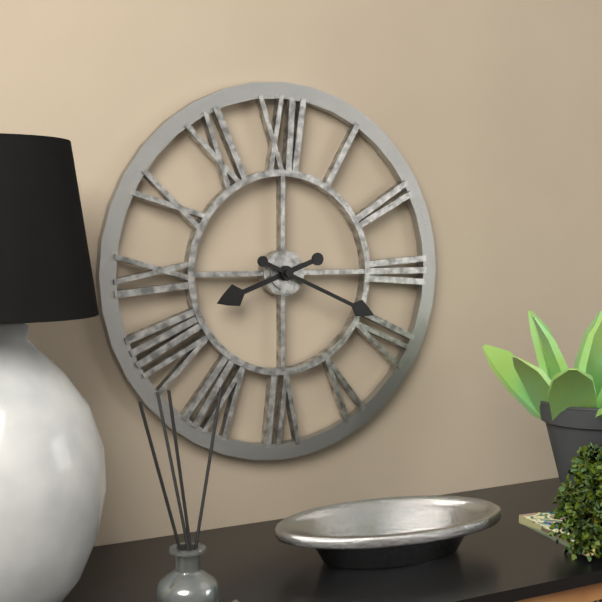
8:19
